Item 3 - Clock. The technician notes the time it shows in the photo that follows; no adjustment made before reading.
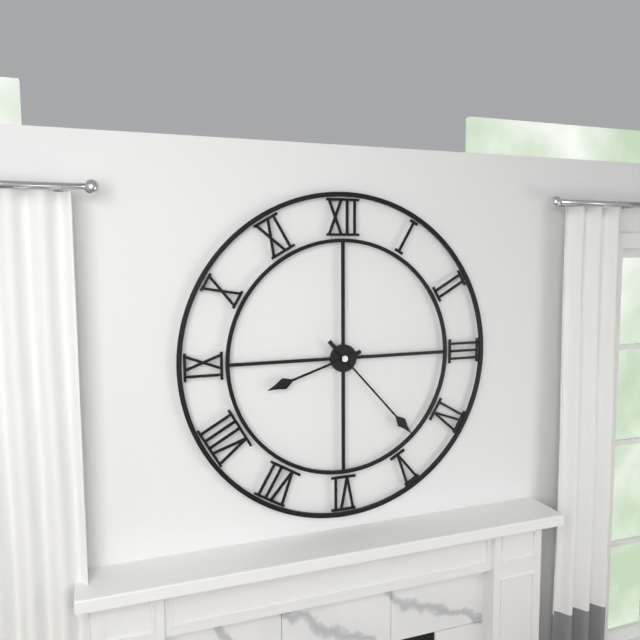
8:23
